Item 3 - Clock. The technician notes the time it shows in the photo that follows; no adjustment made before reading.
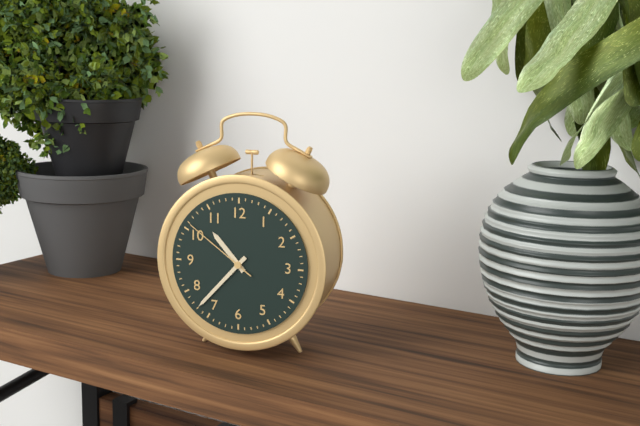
10:37:51
